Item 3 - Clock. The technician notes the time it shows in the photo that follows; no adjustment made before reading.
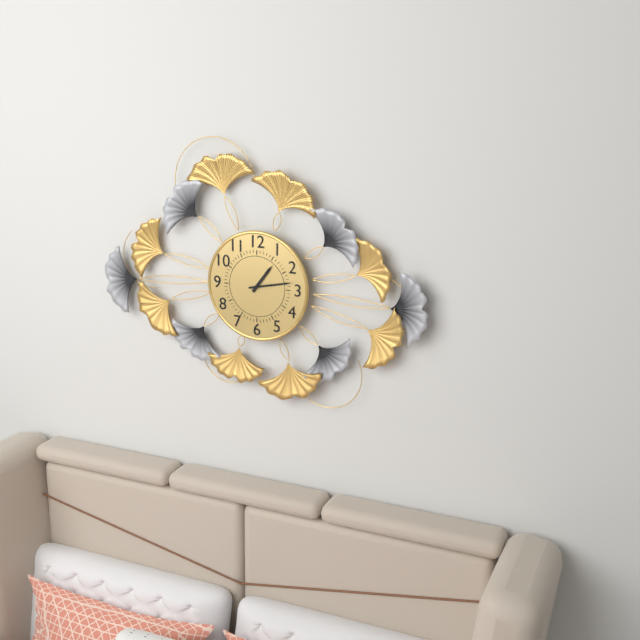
1:13
